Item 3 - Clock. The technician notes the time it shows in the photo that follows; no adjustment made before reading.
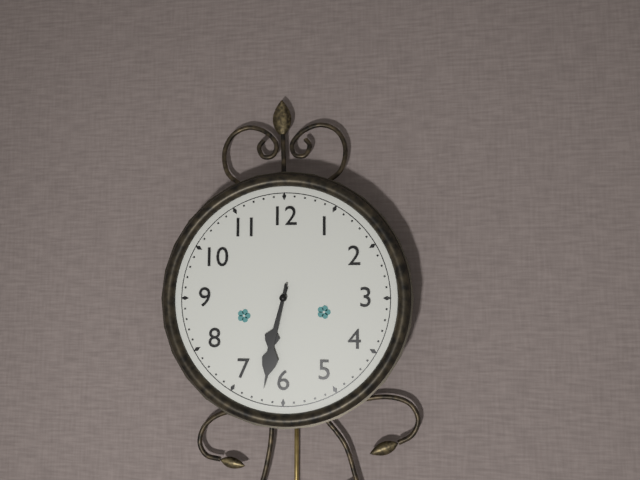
6:32
